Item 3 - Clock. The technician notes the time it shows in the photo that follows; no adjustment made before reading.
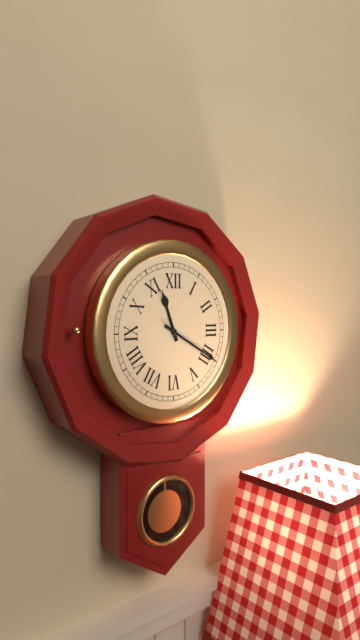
11:20
